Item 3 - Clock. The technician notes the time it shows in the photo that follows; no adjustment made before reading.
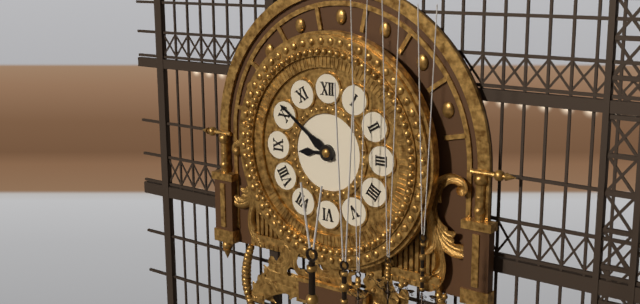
8:51
